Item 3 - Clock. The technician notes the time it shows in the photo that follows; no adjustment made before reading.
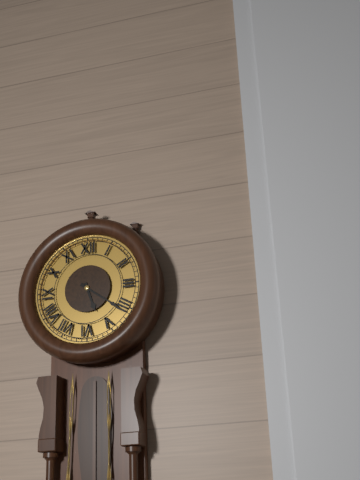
5:21
